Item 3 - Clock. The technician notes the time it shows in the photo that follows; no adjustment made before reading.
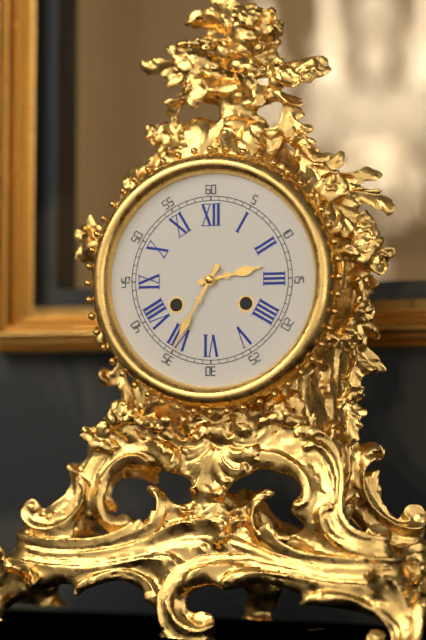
2:35
